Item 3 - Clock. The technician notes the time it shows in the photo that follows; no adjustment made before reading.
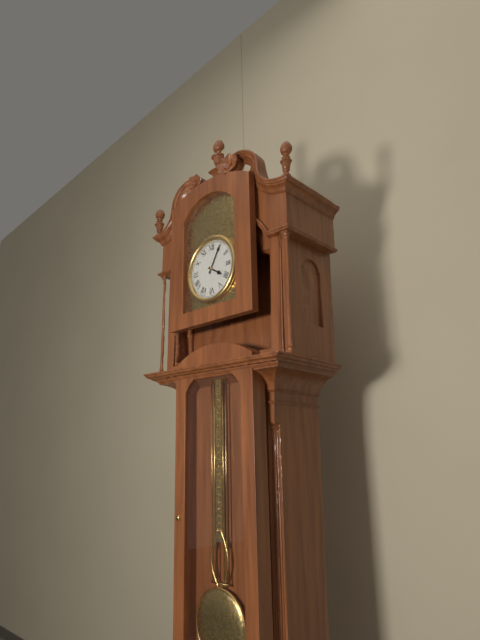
4:05
